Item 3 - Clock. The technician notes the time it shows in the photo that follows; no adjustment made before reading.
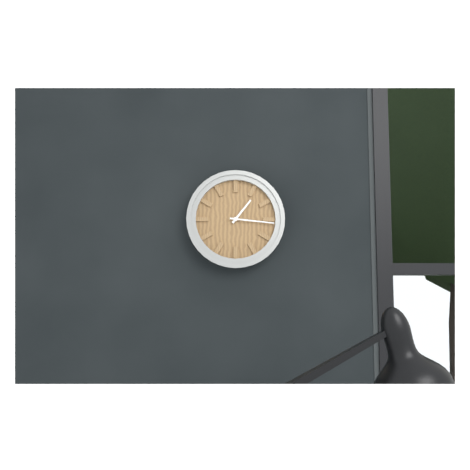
1:16
